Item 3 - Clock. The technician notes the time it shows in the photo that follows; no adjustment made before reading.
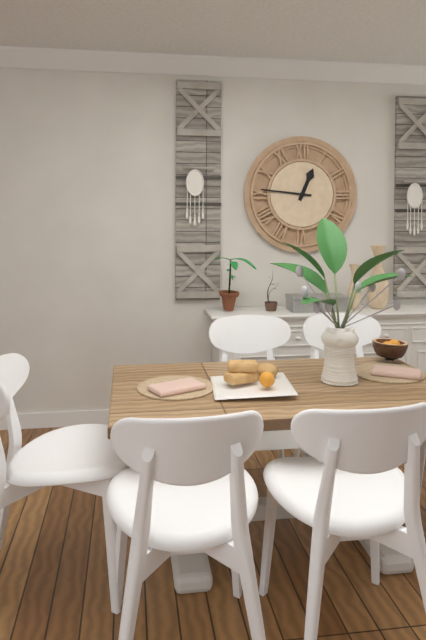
12:46
